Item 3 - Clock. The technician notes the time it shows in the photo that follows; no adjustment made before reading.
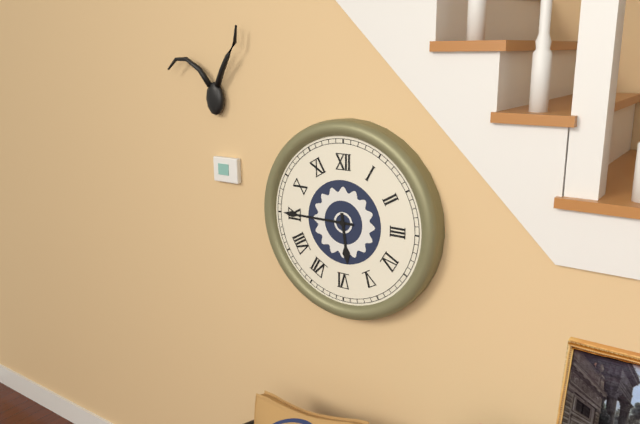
5:45
